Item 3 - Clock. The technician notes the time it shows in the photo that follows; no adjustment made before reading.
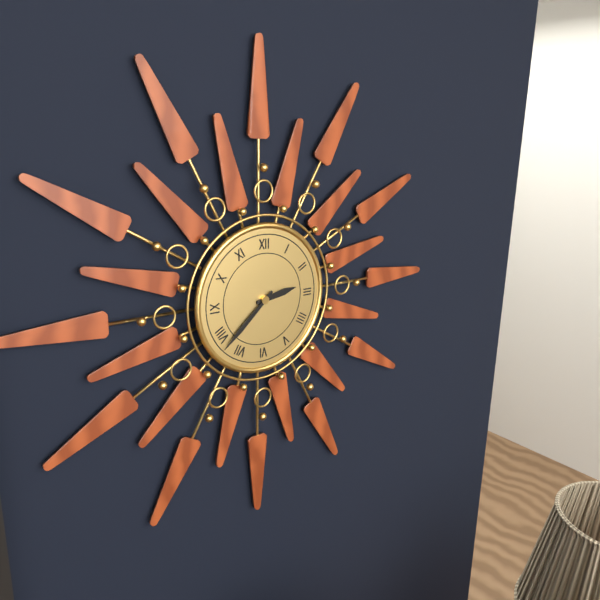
2:38
